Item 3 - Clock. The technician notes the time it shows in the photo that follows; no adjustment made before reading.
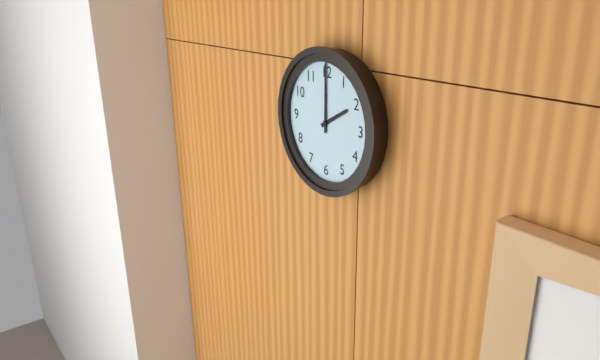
2:00
